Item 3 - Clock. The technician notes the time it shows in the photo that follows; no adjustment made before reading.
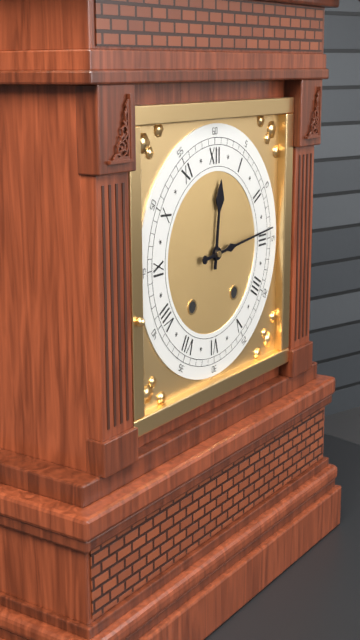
12:14
